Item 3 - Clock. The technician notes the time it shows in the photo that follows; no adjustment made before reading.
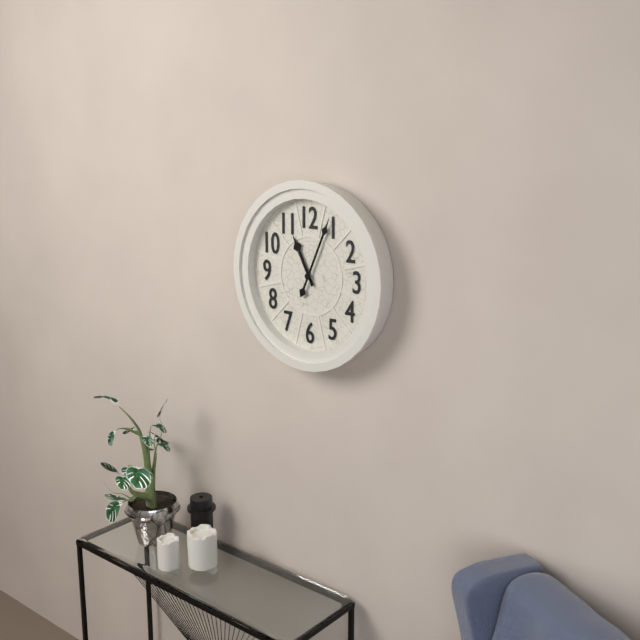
11:04
